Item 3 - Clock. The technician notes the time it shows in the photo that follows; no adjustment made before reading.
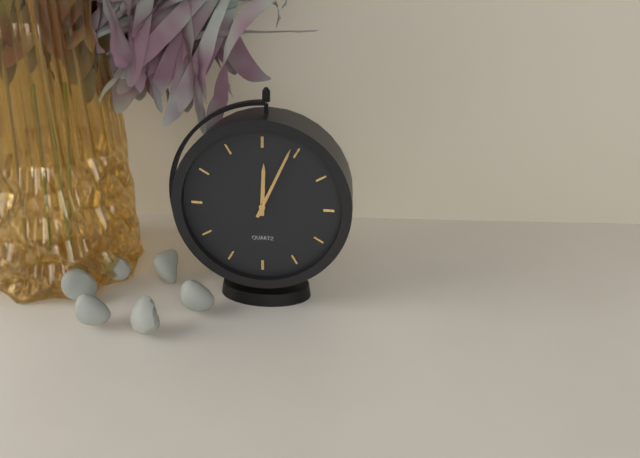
12:04
